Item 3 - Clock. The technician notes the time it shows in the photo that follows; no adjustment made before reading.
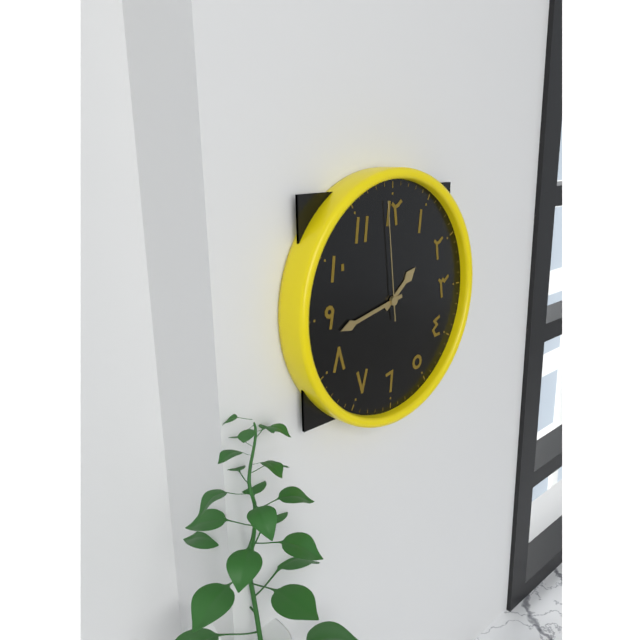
1:43:59
